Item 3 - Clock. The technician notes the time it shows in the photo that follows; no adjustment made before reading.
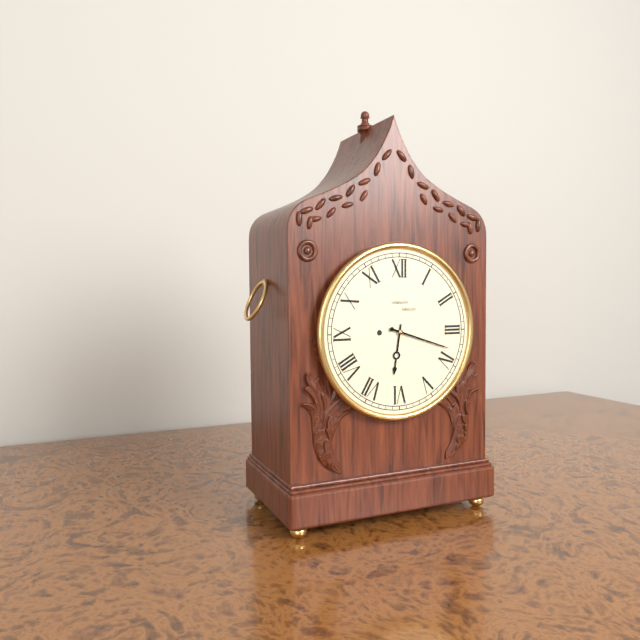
6:18
